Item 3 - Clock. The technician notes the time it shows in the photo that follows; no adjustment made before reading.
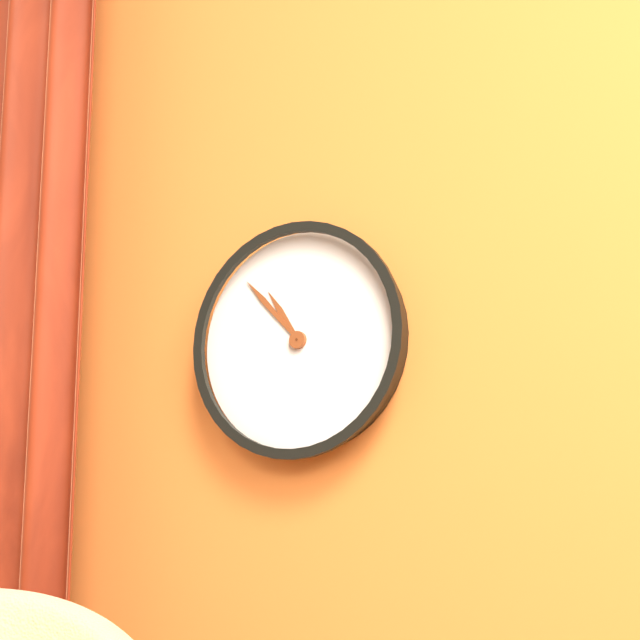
10:53
